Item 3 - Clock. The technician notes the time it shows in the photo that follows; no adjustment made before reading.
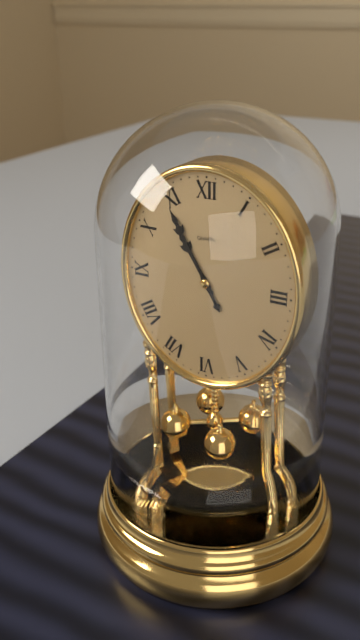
10:55
